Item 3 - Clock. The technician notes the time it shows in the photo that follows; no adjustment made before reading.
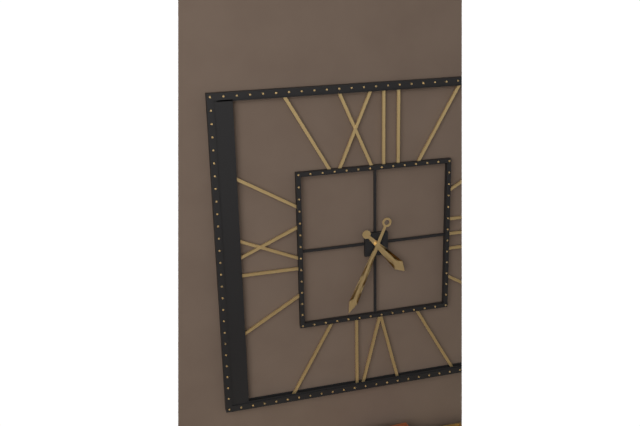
4:34
